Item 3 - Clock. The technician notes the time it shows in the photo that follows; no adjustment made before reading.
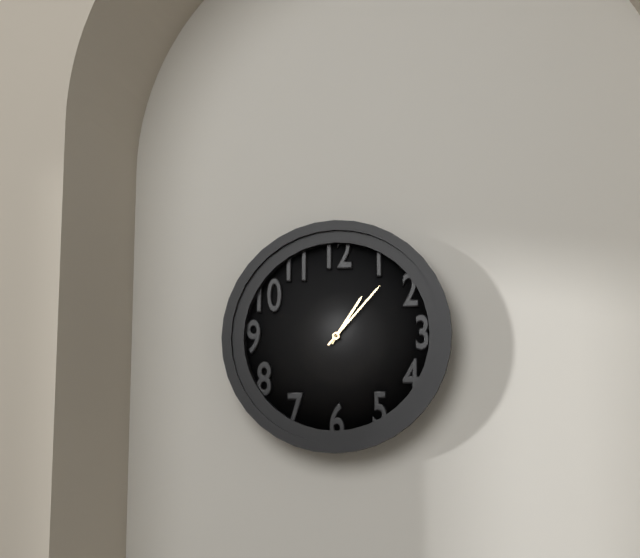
1:07
